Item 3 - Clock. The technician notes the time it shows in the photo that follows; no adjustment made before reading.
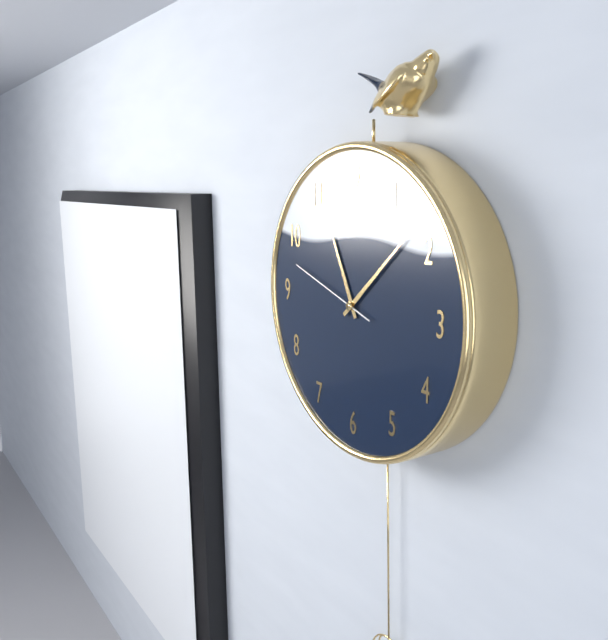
11:08:48
